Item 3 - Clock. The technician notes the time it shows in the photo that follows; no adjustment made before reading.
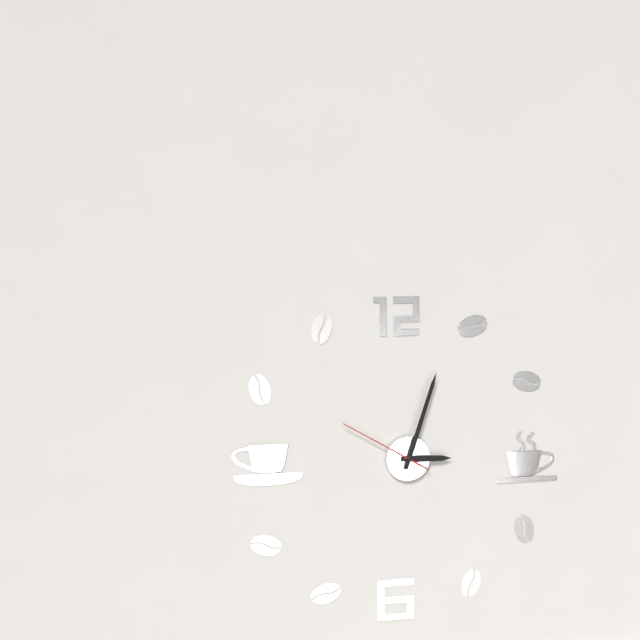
3:03:50
